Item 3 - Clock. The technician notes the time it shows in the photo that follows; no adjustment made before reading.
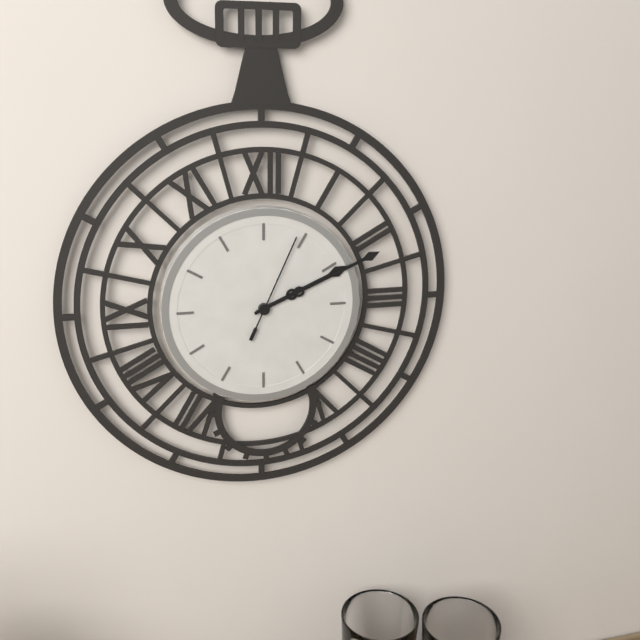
2:11:04
